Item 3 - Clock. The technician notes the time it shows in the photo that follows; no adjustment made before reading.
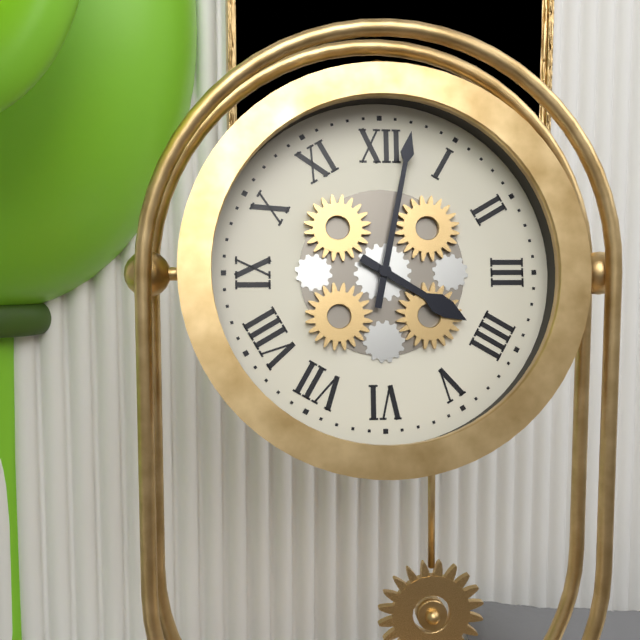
4:02
